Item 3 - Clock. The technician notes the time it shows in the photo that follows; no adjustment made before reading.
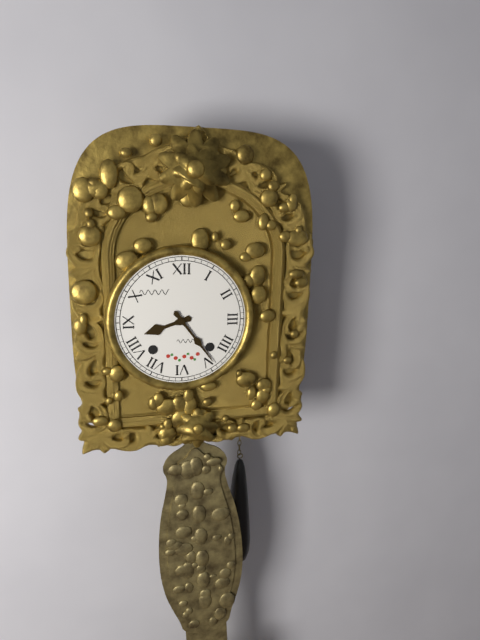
8:24
